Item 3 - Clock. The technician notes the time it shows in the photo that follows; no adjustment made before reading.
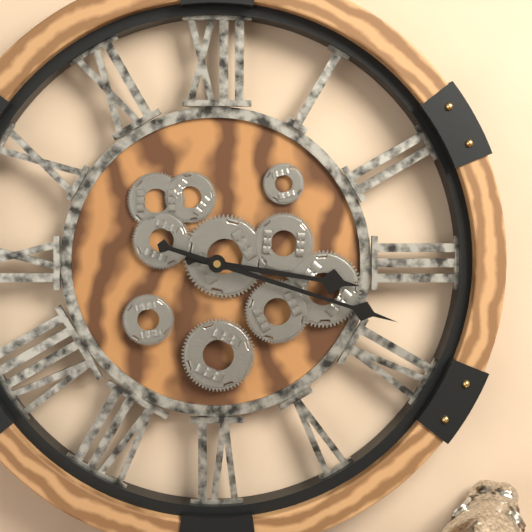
3:18
